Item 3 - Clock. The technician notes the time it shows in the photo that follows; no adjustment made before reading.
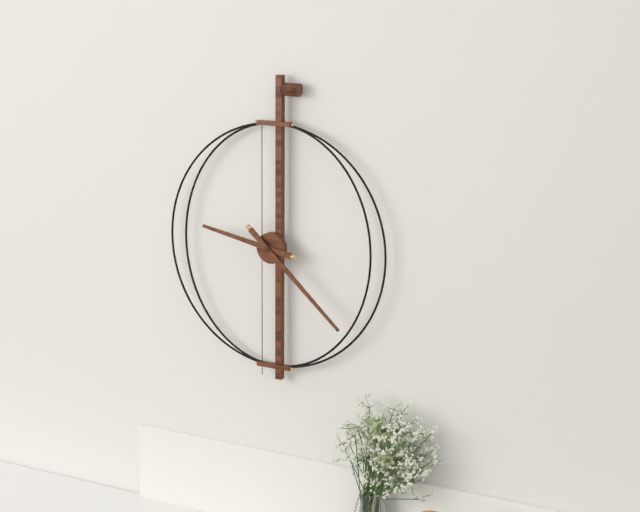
9:22
